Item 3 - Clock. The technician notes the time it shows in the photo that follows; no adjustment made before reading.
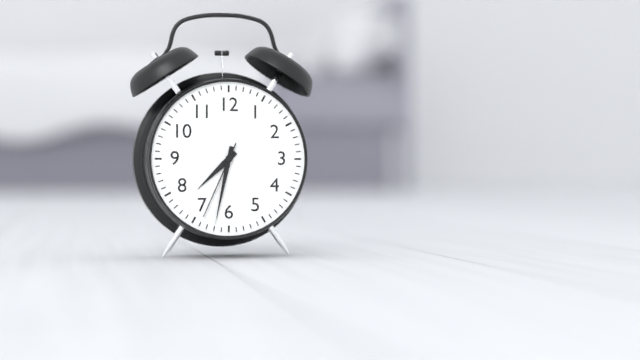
7:32:34
